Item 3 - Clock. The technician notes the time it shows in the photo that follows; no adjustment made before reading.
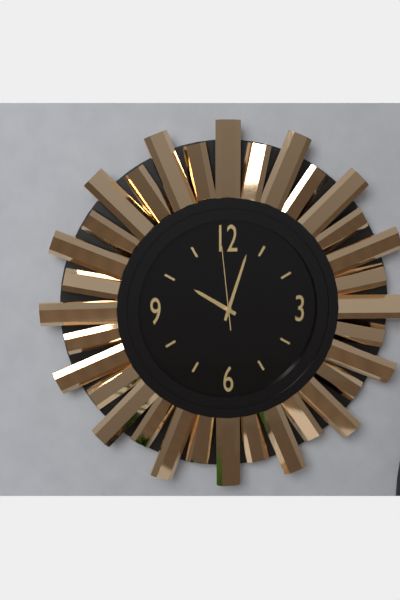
10:03:59
